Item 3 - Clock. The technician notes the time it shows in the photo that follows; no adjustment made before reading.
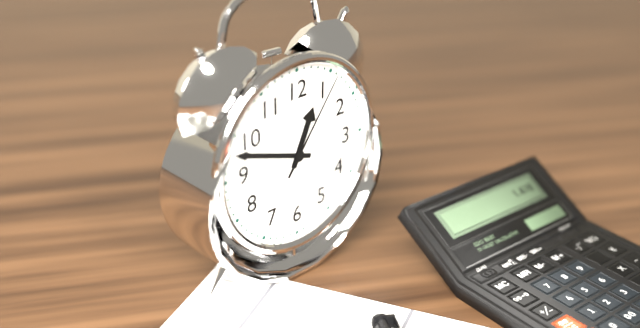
12:48:06
